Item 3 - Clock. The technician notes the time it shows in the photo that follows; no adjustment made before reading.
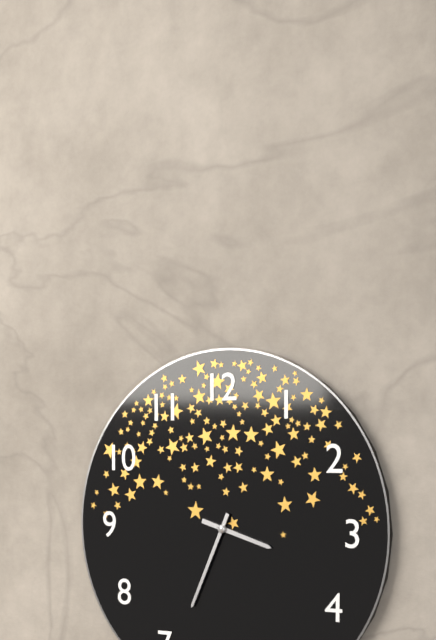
3:34
